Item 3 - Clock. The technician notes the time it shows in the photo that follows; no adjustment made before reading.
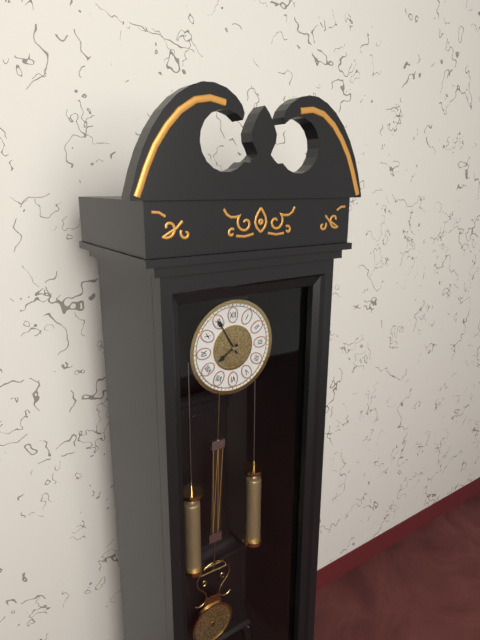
7:55
